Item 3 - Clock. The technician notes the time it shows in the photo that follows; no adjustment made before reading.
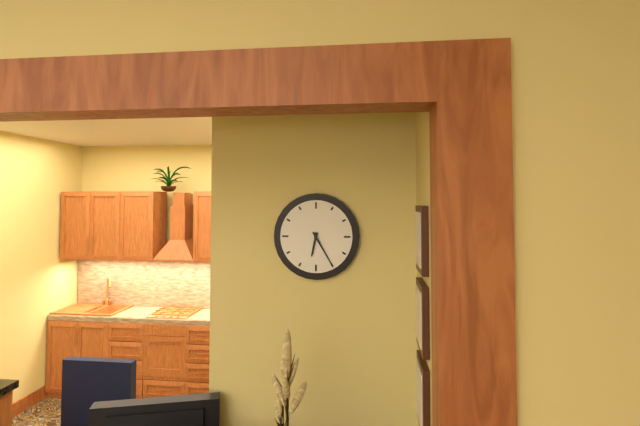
6:25
